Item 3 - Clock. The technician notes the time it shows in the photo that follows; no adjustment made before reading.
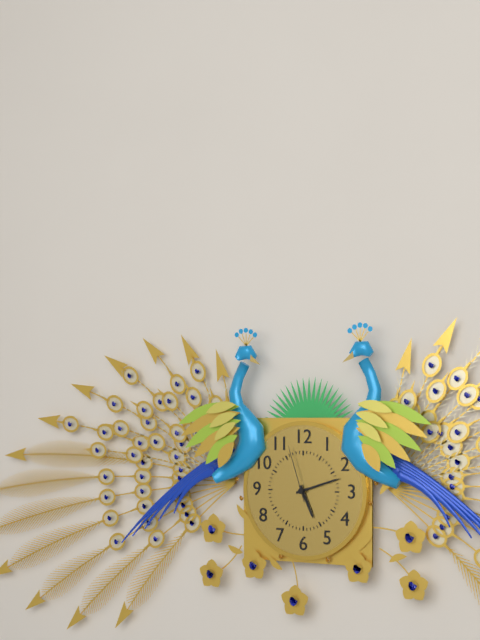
5:12:57
